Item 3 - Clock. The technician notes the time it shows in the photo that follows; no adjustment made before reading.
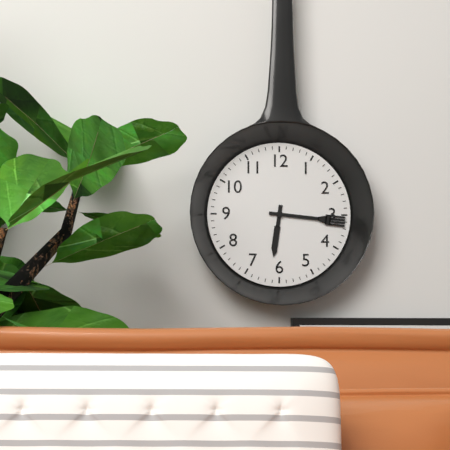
6:16
